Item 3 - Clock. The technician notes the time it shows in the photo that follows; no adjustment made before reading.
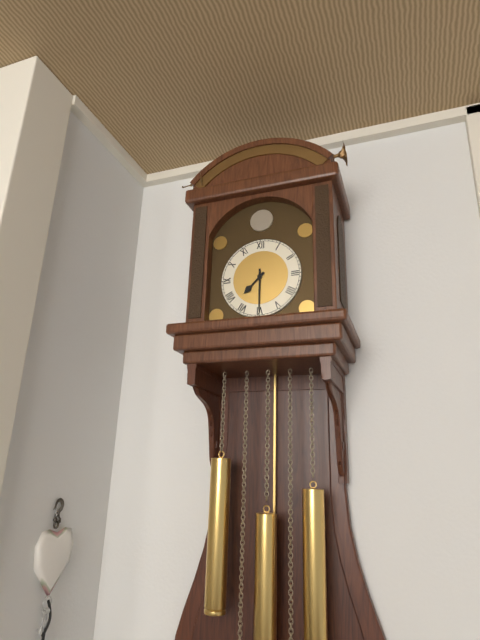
7:30
